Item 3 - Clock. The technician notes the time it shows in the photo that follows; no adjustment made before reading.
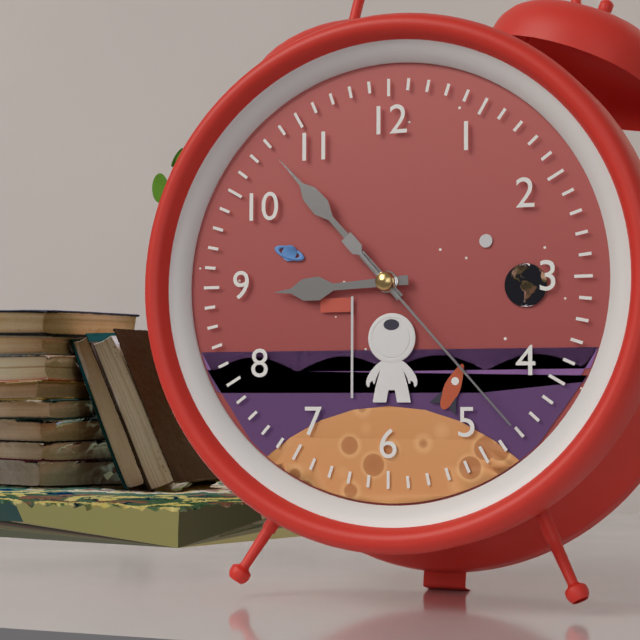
8:53:23
